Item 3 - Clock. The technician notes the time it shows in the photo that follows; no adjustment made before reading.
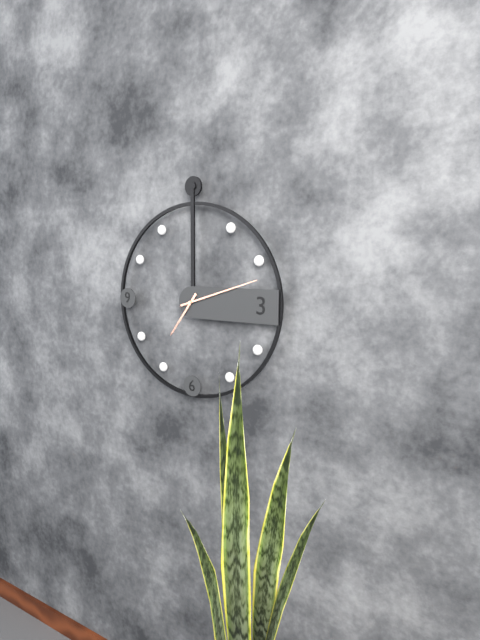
7:12
